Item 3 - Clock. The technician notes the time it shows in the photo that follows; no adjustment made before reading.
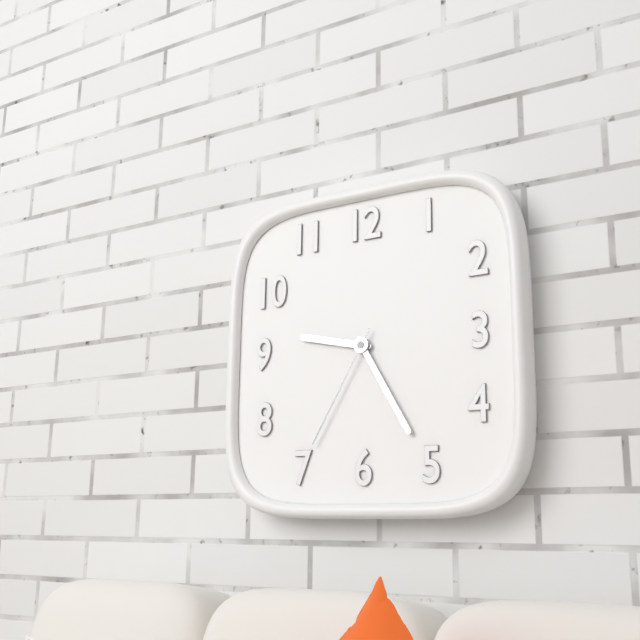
9:25:35
